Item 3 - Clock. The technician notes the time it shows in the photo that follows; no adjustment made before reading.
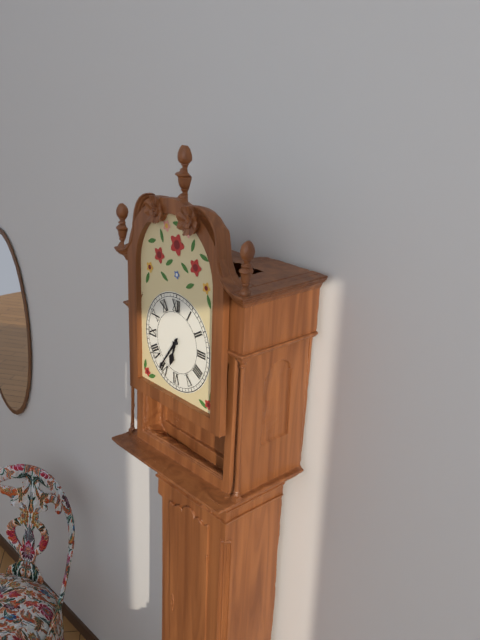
6:36
